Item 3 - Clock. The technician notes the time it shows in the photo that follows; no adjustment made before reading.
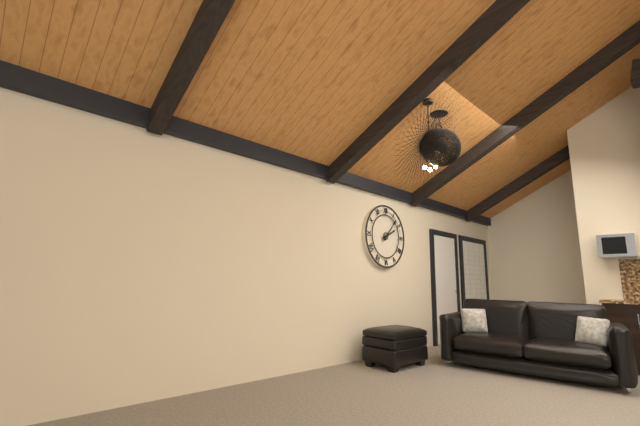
2:07
